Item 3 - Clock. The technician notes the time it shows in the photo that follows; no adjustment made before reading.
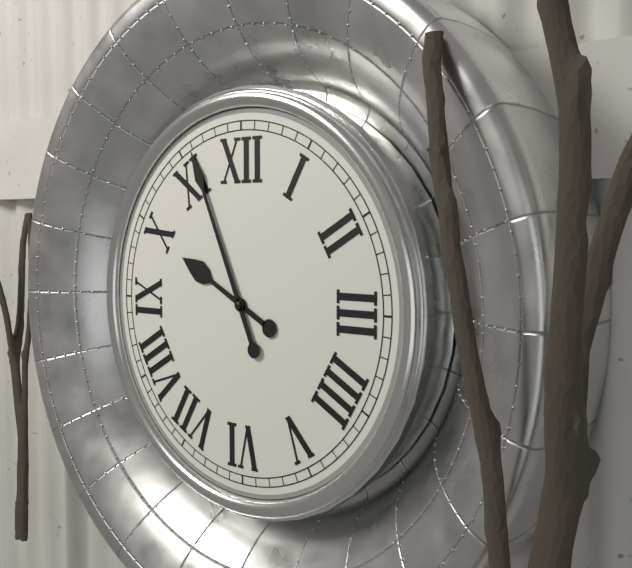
9:56
